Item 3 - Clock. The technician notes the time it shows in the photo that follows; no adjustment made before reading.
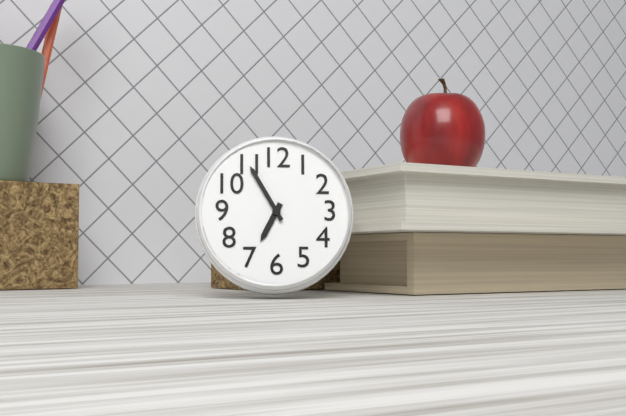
6:55
